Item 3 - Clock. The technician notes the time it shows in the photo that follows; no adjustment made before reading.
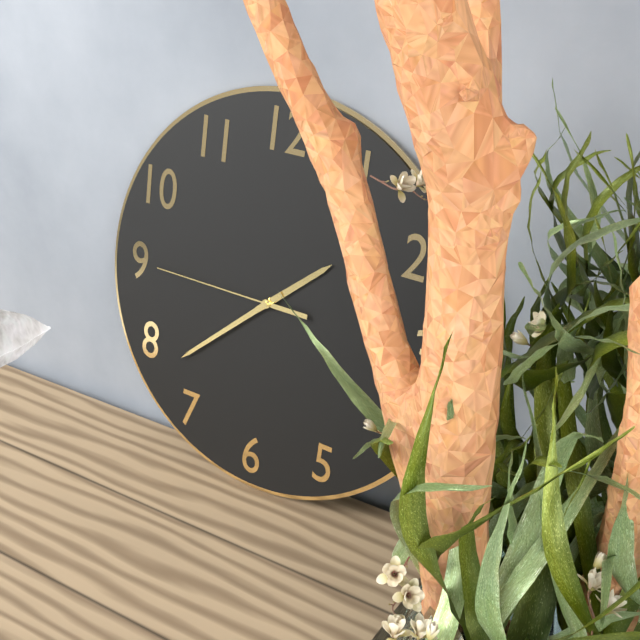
1:38:45
